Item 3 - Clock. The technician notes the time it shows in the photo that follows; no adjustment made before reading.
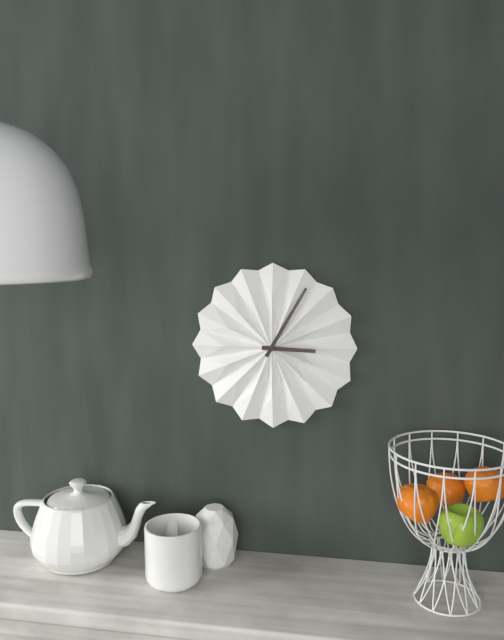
3:05
